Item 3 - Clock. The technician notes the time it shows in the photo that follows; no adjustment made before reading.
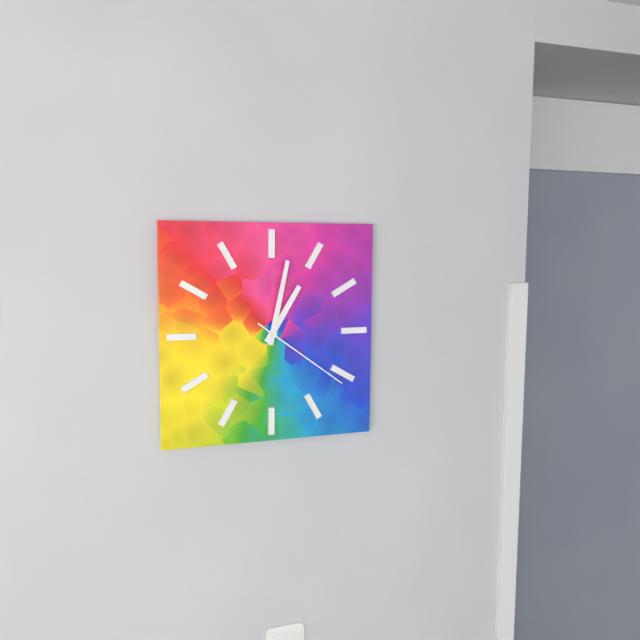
1:02:21
